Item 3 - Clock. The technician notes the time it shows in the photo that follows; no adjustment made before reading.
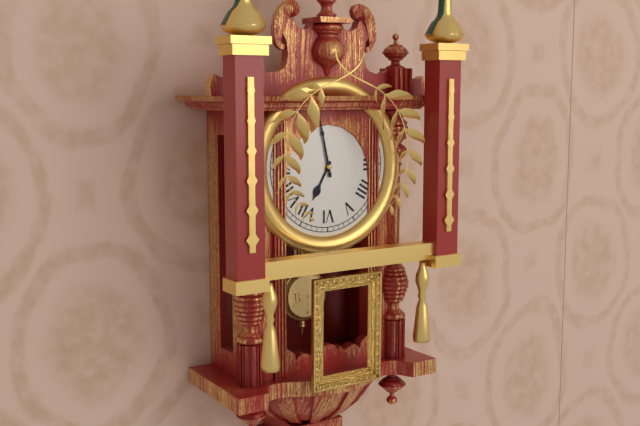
6:58
